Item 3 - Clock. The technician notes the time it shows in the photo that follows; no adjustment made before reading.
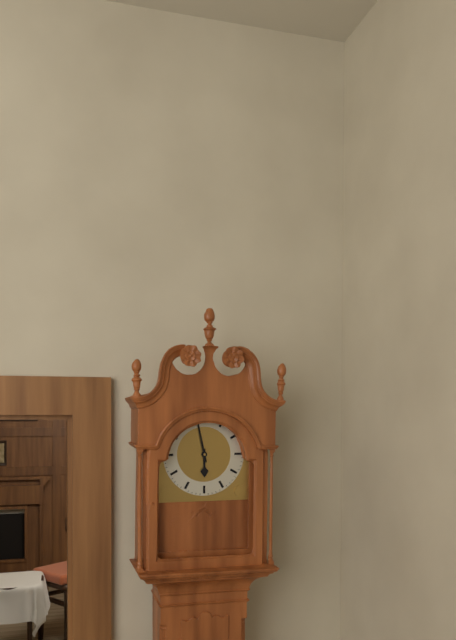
5:58
